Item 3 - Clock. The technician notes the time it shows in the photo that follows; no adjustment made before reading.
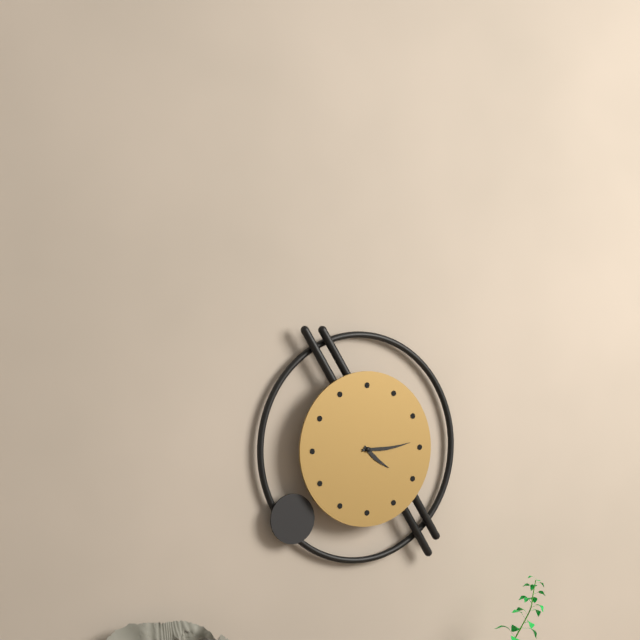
4:14
